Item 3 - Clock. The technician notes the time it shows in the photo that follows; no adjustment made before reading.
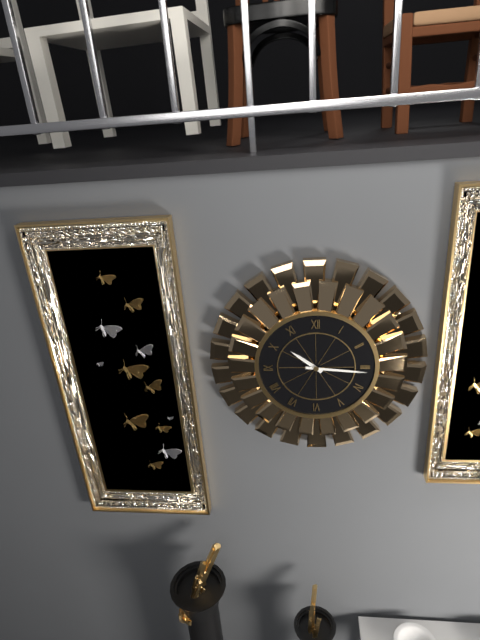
10:16
